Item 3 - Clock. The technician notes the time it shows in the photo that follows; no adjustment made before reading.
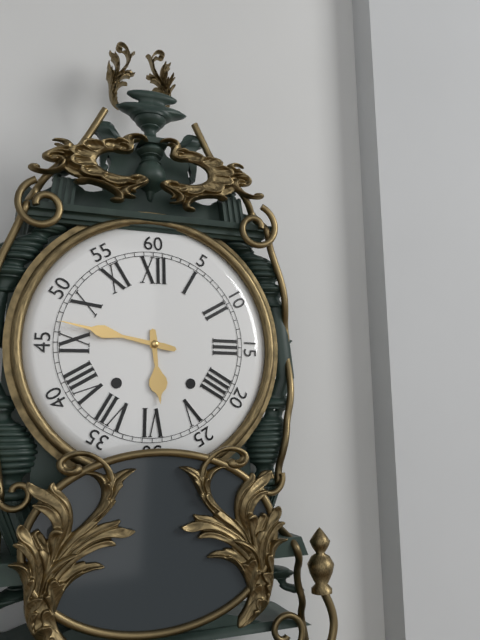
5:47
